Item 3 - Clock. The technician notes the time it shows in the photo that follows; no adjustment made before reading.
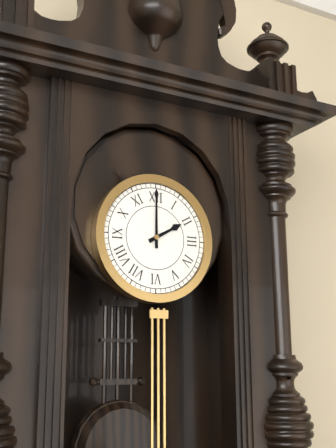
2:00
